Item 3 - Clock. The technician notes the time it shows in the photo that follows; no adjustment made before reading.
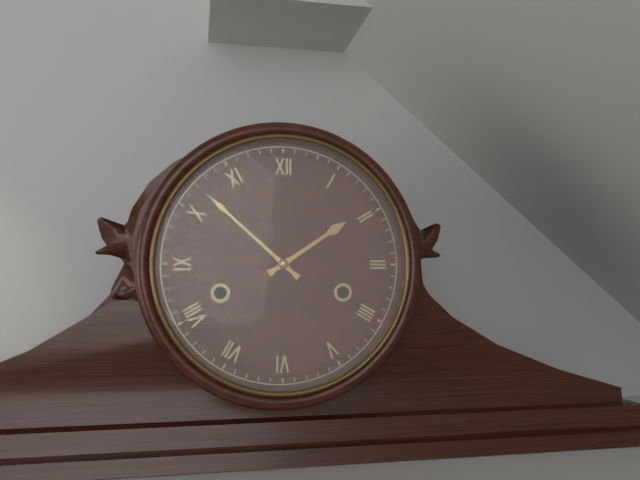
1:52
